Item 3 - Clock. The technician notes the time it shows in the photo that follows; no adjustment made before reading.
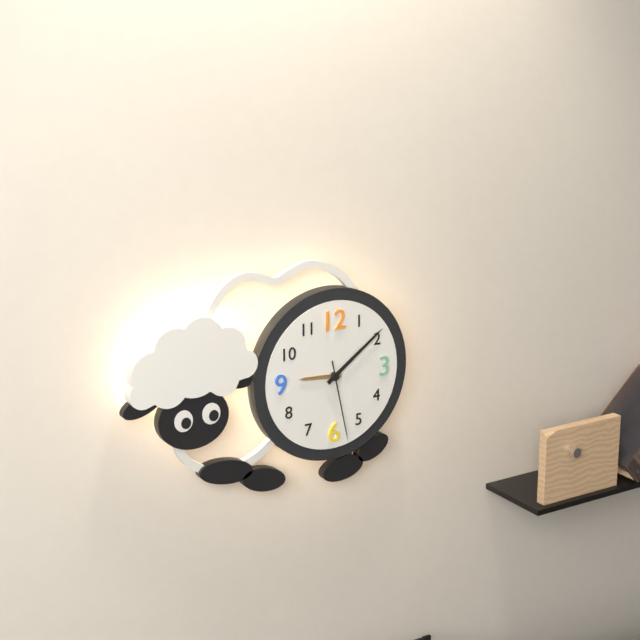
9:09:28
